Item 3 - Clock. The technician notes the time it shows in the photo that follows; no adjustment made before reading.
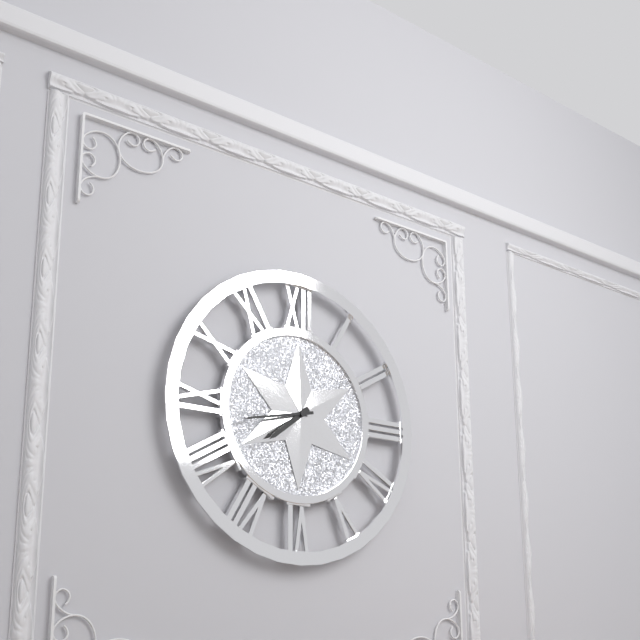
7:43
